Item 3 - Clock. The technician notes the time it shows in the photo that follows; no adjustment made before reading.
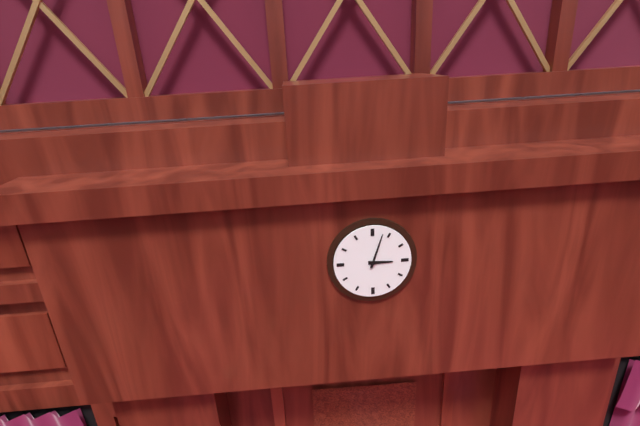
3:03
